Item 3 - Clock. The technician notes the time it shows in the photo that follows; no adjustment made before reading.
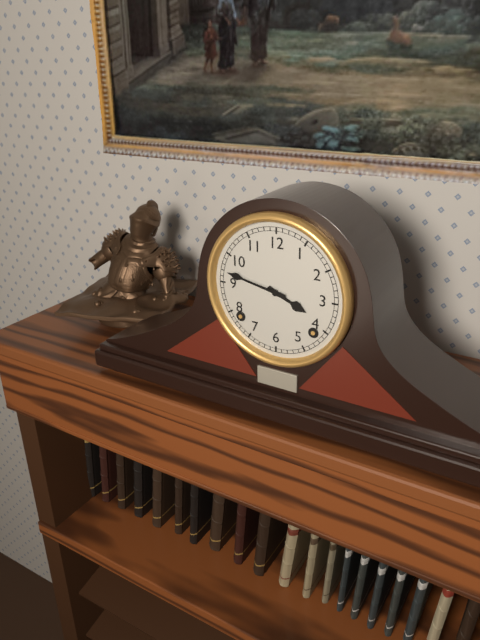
3:47
